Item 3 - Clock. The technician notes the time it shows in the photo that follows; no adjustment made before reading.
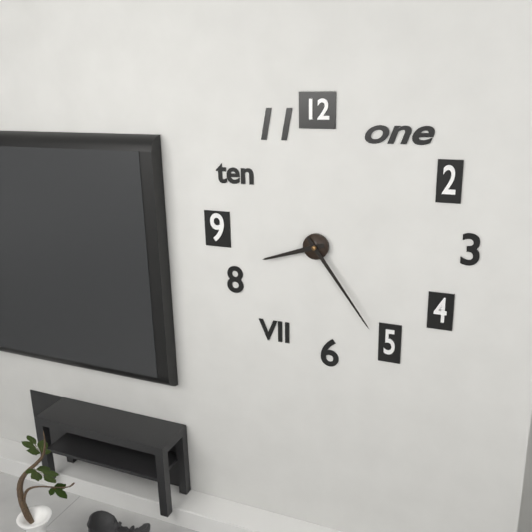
8:24
